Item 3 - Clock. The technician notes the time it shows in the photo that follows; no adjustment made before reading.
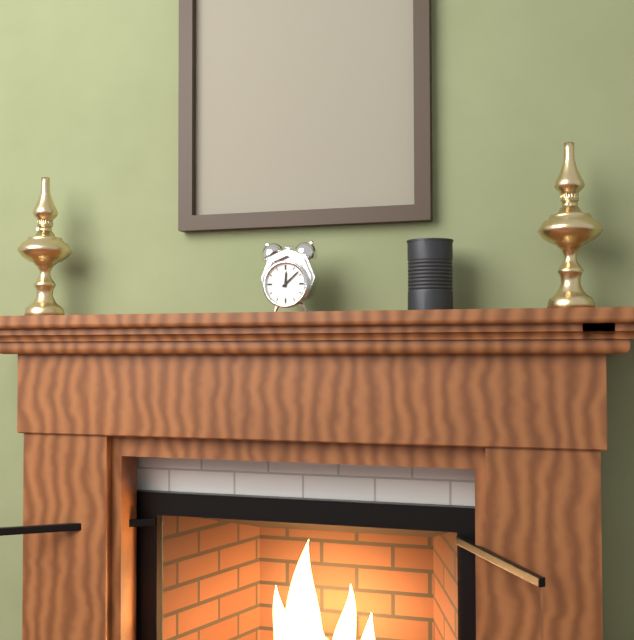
12:08
